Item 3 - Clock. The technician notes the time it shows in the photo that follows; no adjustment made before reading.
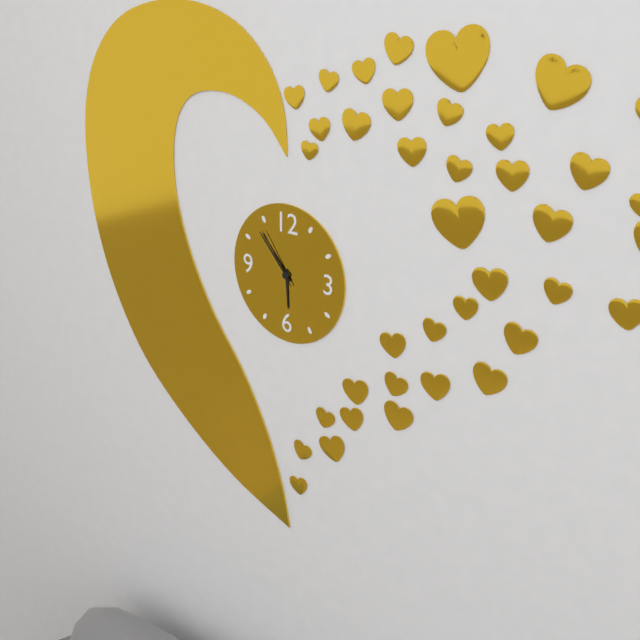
5:53:54
